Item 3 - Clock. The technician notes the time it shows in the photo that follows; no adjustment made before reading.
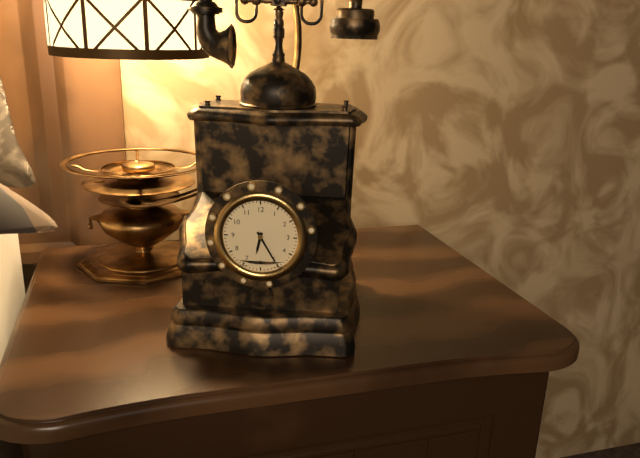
6:25
